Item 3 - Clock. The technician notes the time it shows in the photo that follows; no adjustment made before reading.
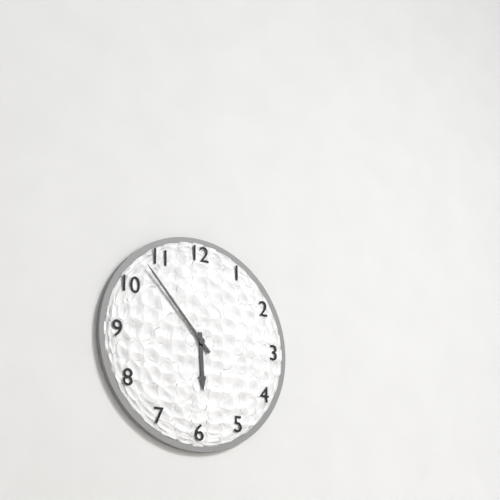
5:53
